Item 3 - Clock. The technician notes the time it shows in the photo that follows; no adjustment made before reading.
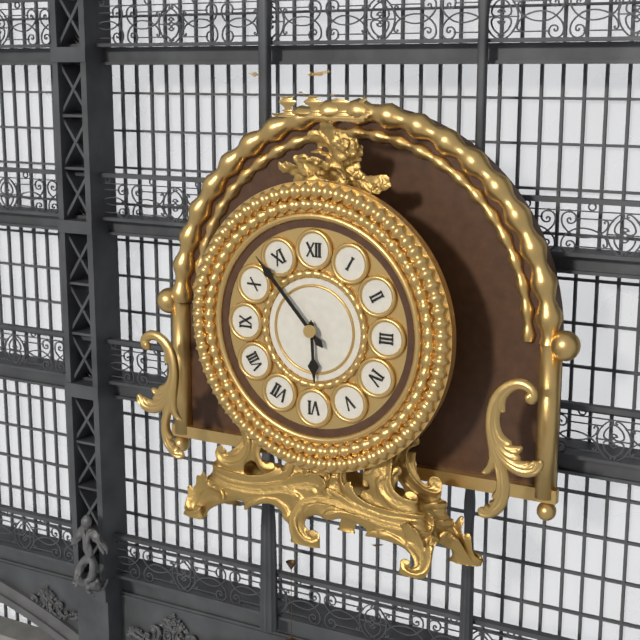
5:53
